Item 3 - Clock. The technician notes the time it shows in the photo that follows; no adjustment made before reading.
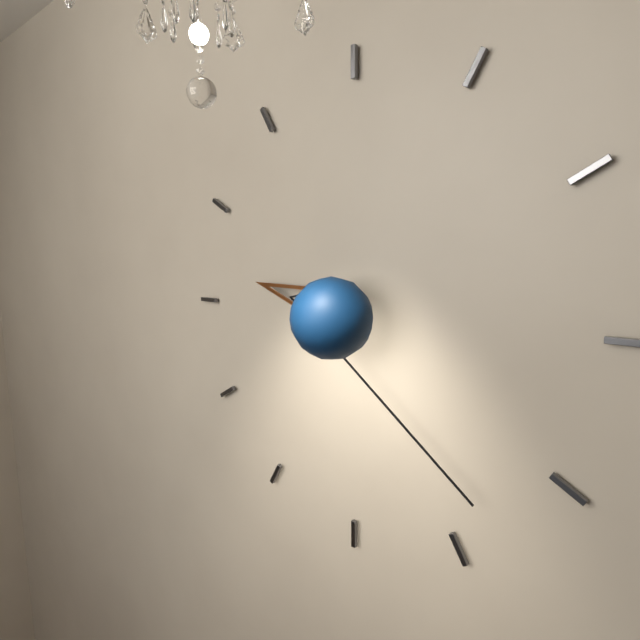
9:23
